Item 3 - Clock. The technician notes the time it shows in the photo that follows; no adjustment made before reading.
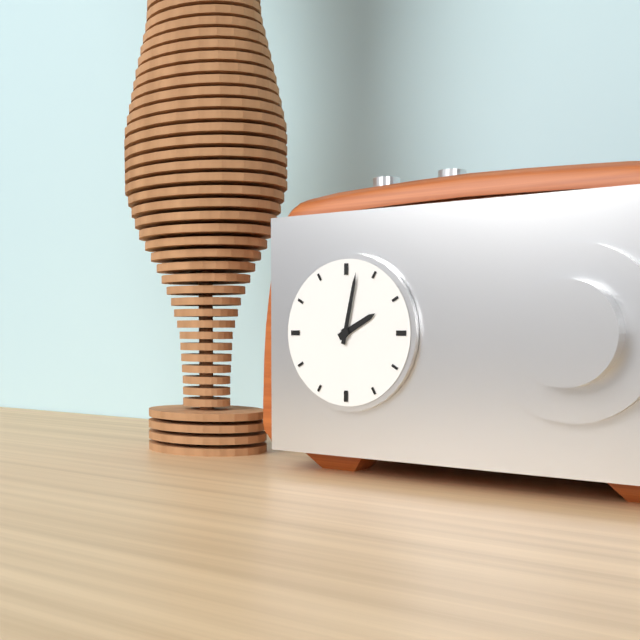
2:02
